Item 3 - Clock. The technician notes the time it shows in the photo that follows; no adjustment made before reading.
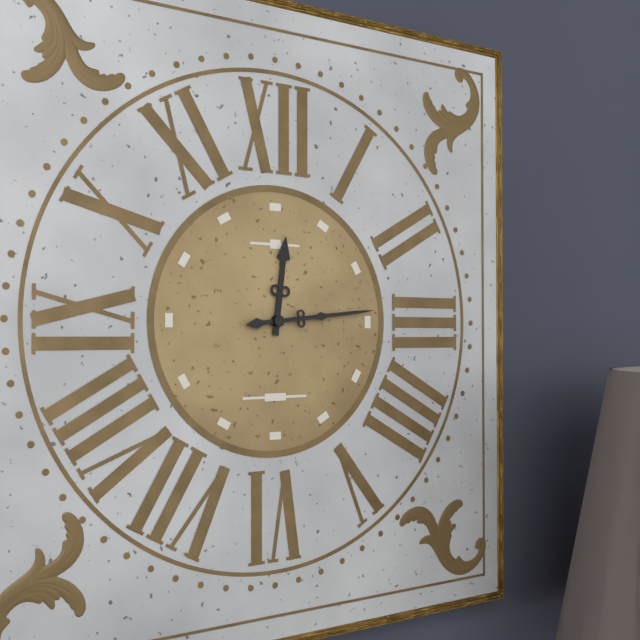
12:14
